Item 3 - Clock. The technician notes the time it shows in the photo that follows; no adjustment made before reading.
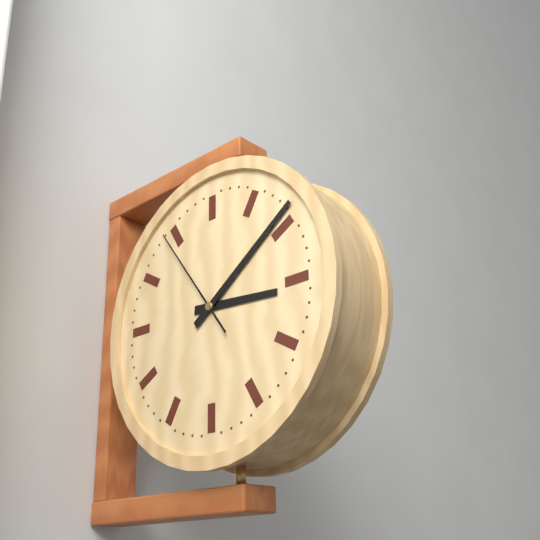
3:09:54
